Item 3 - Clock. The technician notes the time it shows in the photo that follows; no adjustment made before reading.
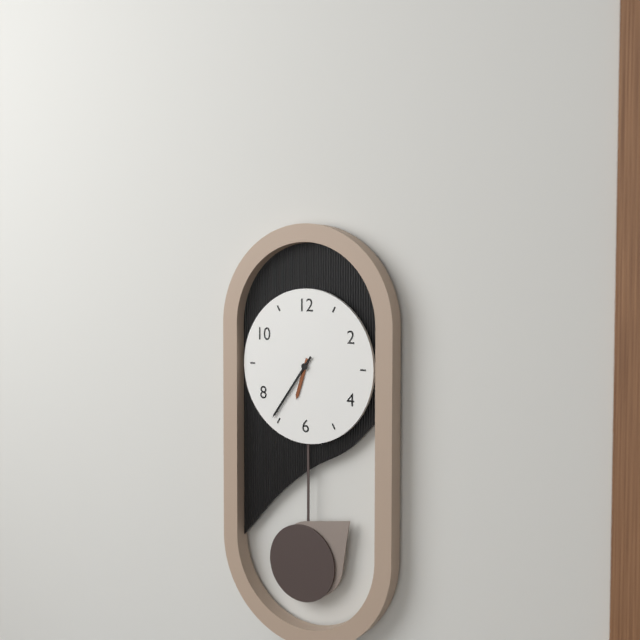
6:36
